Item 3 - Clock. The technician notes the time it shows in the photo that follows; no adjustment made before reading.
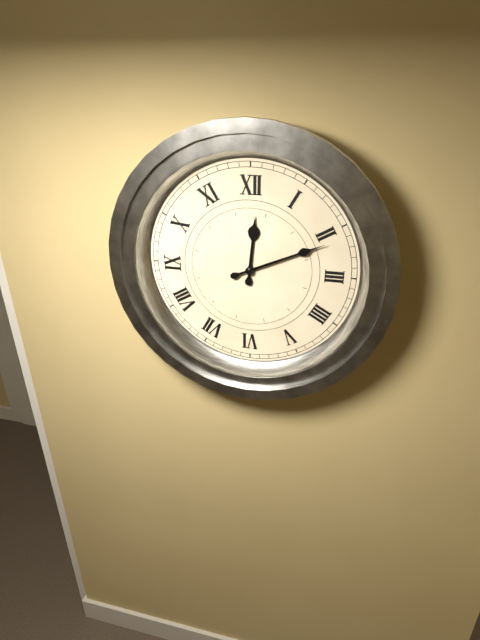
12:11
